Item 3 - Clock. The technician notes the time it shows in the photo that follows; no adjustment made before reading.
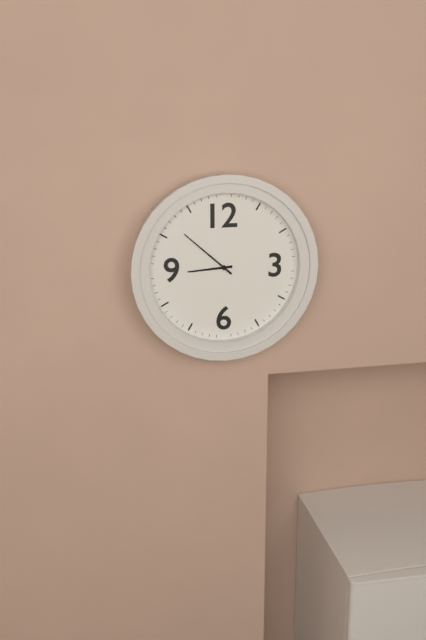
8:52
